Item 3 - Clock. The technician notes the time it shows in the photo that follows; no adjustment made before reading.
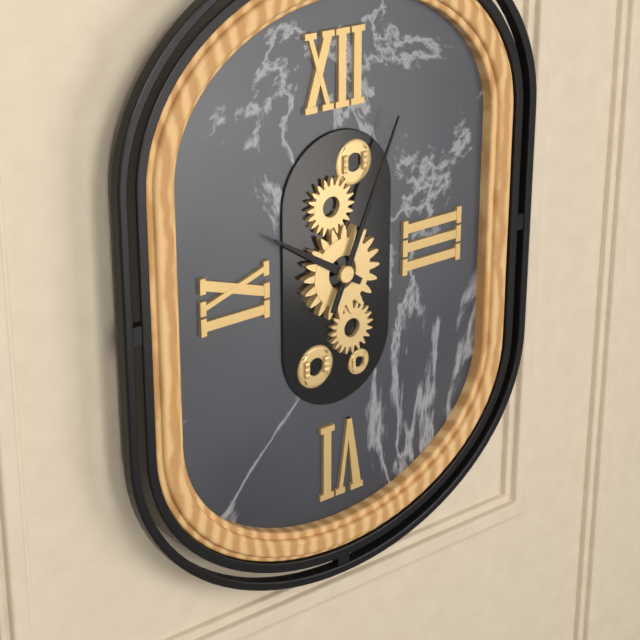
10:04
